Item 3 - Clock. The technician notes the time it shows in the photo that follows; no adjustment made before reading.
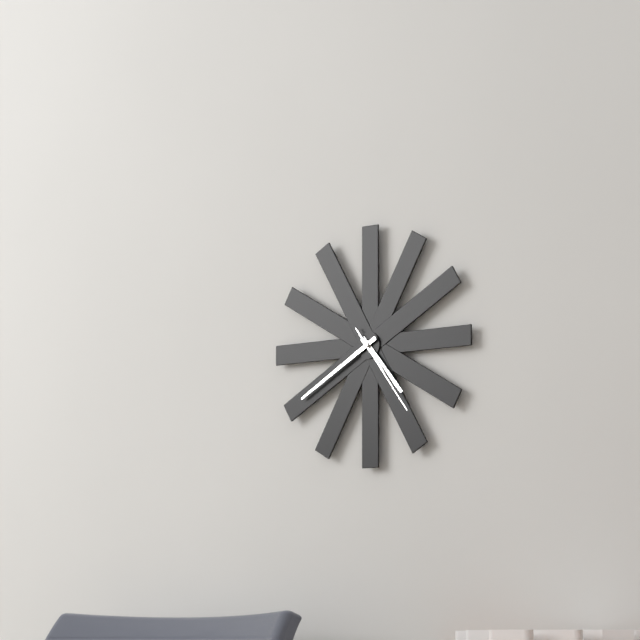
4:40:24
